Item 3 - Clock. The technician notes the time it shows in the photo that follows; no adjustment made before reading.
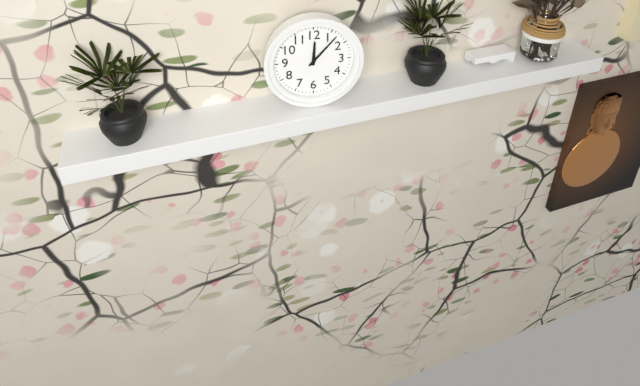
12:07
